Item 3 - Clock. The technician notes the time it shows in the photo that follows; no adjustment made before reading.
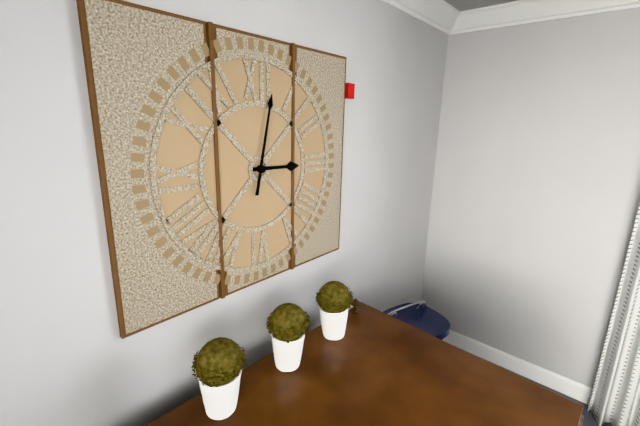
3:02
